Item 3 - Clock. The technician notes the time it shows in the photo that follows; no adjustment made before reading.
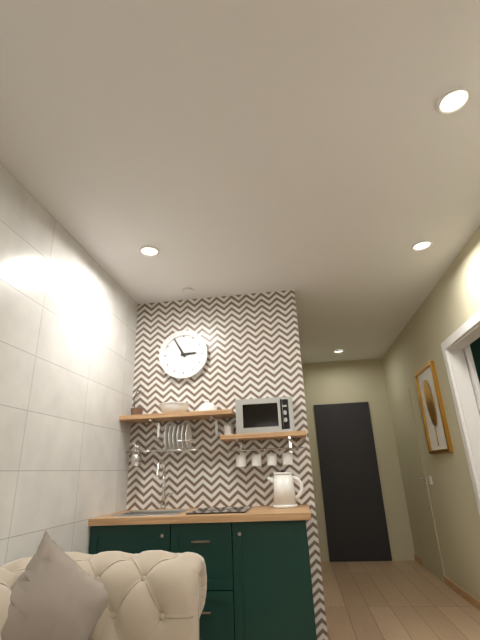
2:55
